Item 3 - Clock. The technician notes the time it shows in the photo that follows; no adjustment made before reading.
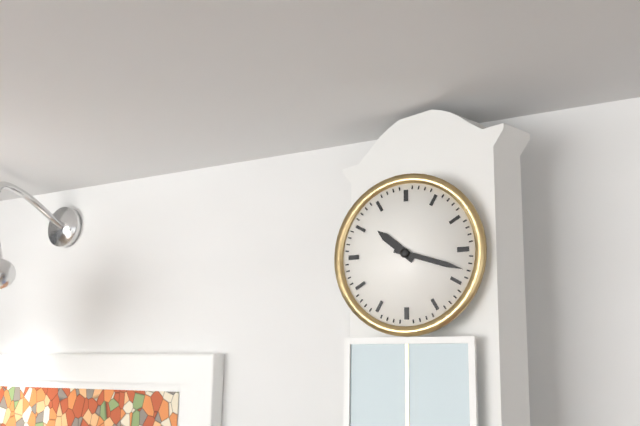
10:18
